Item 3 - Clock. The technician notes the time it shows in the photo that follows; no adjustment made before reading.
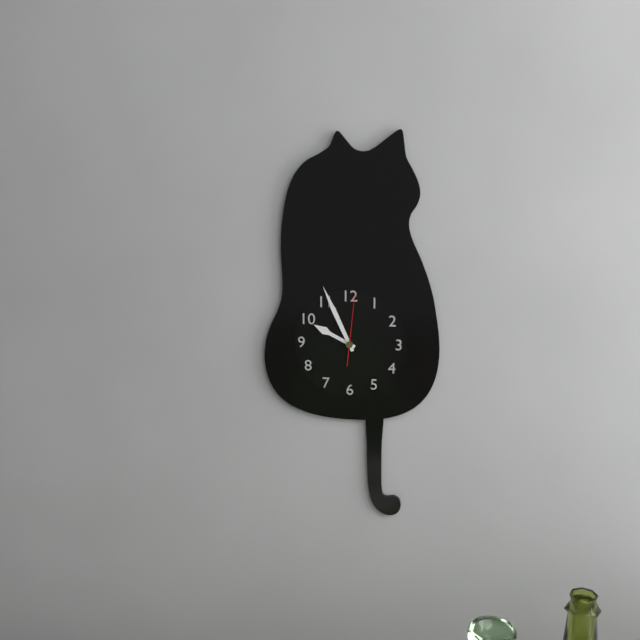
9:56:01
